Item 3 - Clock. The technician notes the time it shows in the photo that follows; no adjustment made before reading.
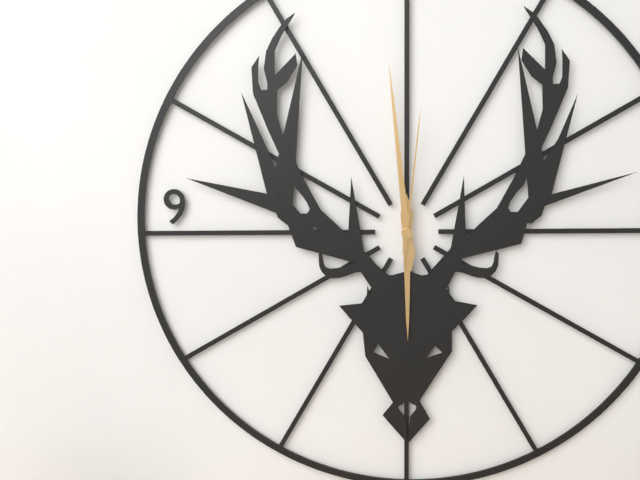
5:59:01
